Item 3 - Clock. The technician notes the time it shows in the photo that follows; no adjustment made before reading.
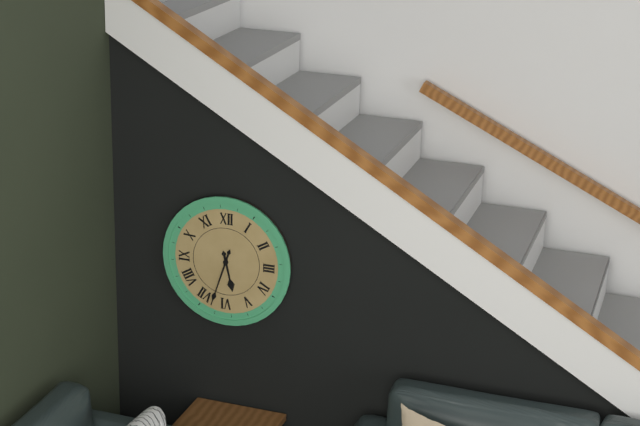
5:33
